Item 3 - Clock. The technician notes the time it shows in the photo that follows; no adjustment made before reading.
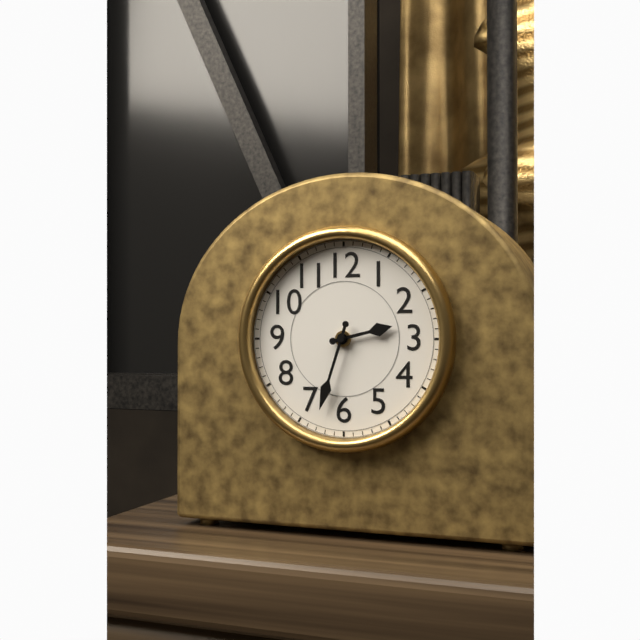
2:33
